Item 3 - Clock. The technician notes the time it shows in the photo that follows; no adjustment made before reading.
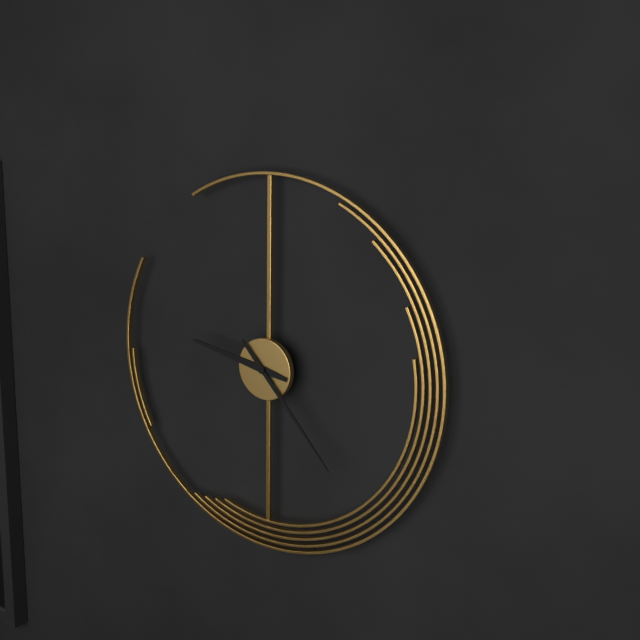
9:23
